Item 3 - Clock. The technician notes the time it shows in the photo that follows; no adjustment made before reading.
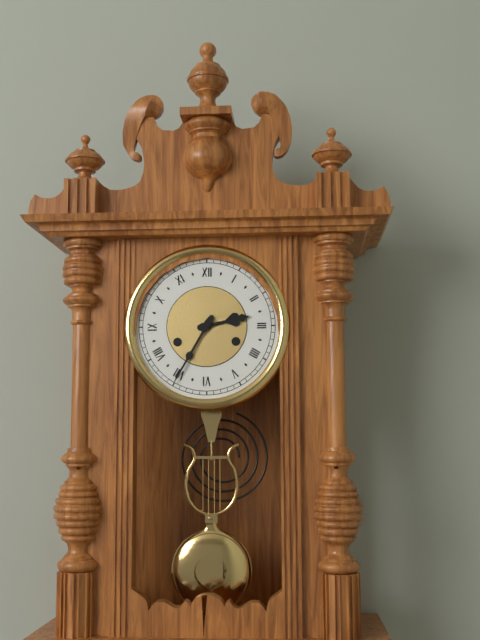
2:35
